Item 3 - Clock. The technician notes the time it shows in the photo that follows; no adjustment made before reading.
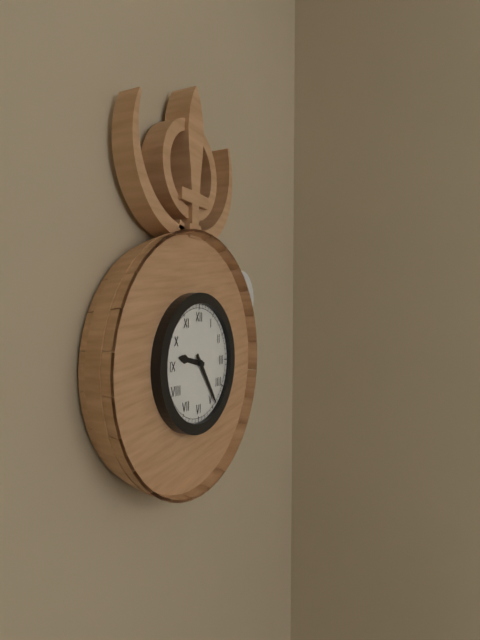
9:24
